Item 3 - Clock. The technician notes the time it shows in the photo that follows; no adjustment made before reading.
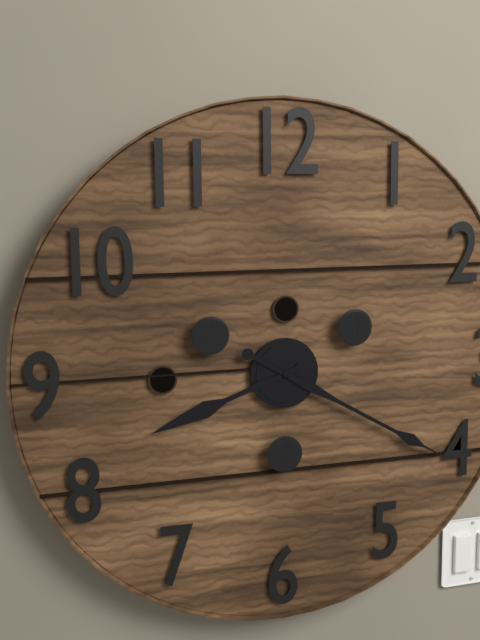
8:20
